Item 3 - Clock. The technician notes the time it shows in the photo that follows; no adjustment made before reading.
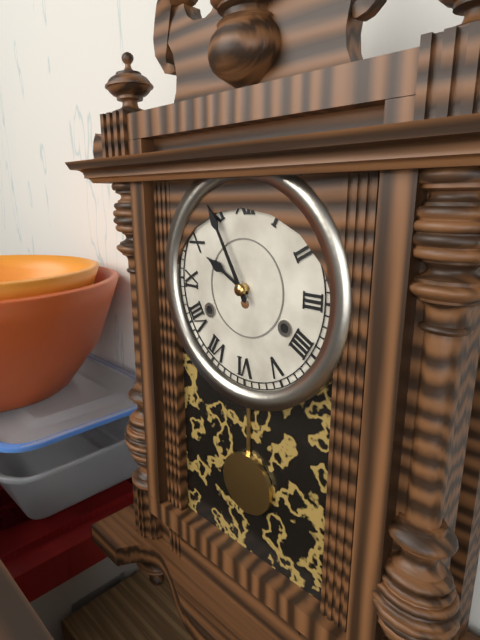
9:55
